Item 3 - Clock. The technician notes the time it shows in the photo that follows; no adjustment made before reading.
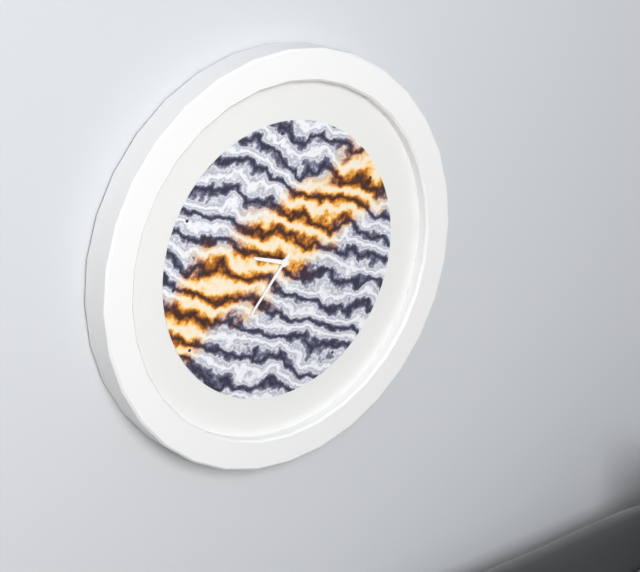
9:37
